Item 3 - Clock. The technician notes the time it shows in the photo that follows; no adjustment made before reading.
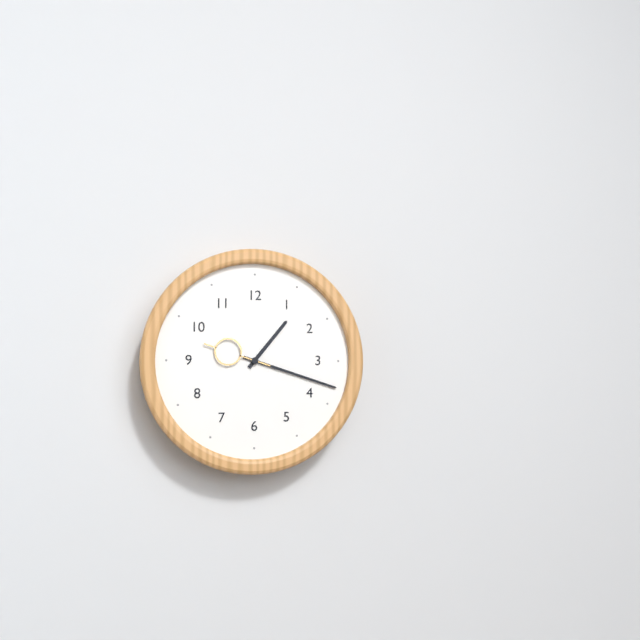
1:18:48
